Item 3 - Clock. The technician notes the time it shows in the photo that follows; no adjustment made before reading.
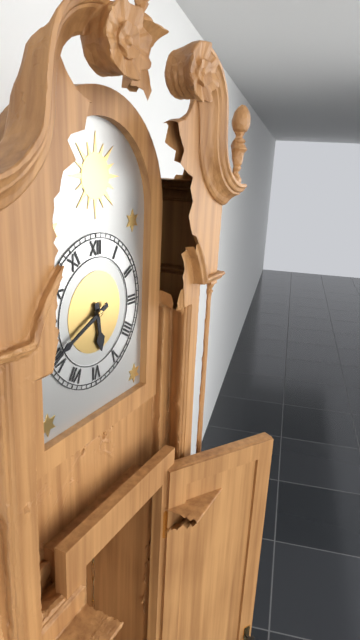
5:41
